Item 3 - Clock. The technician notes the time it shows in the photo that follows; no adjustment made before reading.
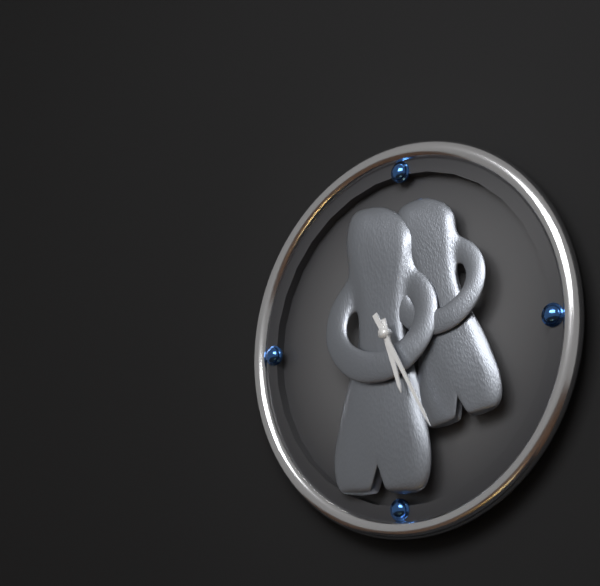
5:25
